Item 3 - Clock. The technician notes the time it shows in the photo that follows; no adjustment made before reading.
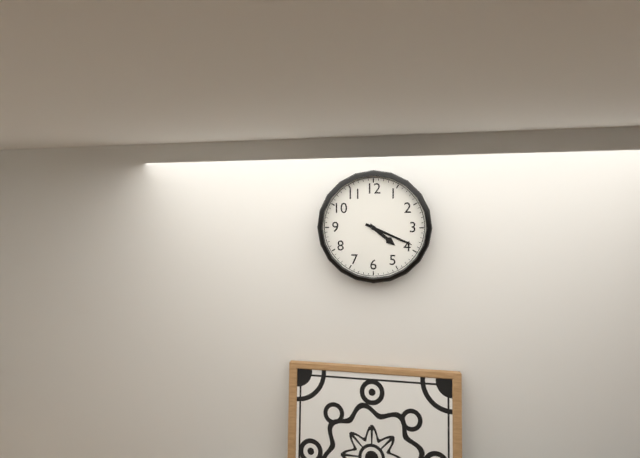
4:19
